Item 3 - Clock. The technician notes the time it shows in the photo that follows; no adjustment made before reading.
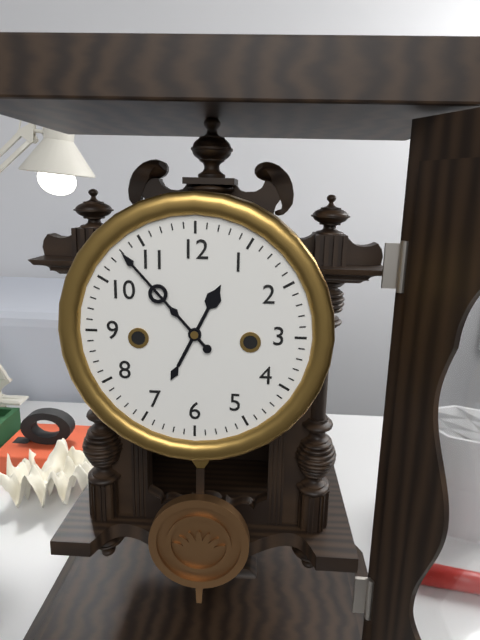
12:53
